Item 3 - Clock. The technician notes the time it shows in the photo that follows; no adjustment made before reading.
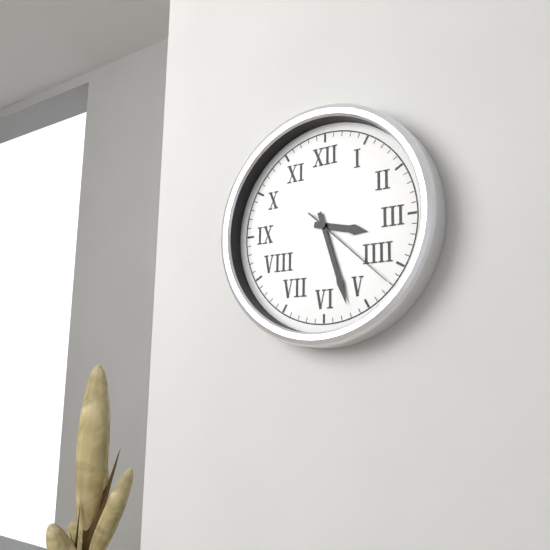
3:27:22
